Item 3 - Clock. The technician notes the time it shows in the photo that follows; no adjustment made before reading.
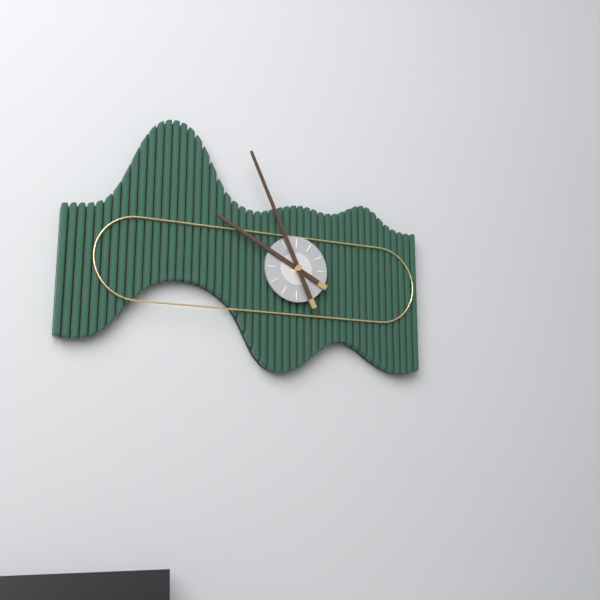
9:56
